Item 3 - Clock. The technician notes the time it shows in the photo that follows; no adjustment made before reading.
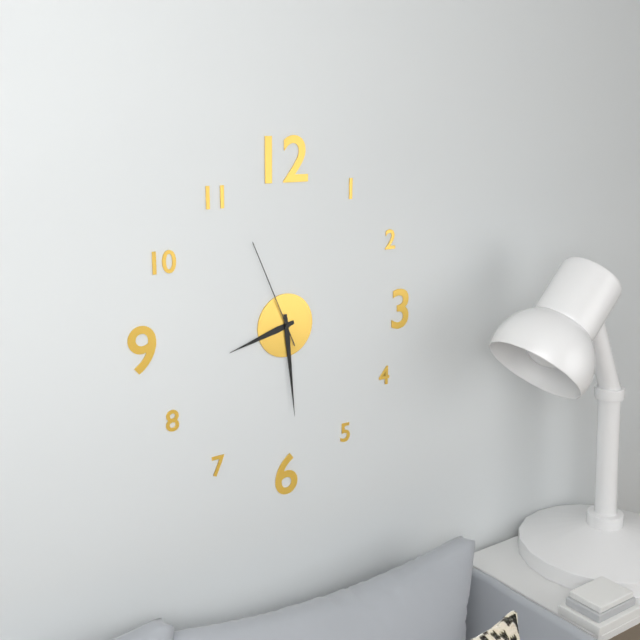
8:29:56
